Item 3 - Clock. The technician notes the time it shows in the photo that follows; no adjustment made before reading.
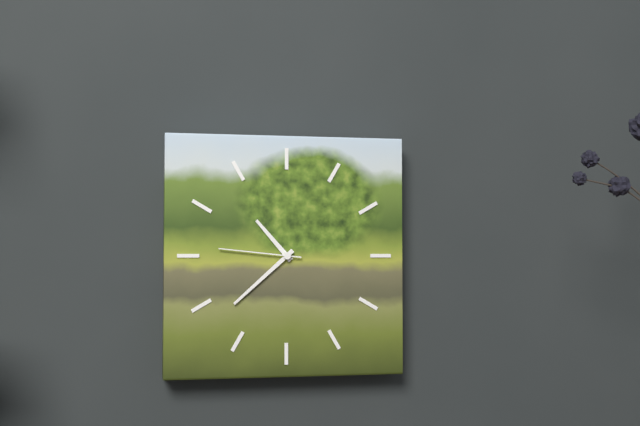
10:38:46
